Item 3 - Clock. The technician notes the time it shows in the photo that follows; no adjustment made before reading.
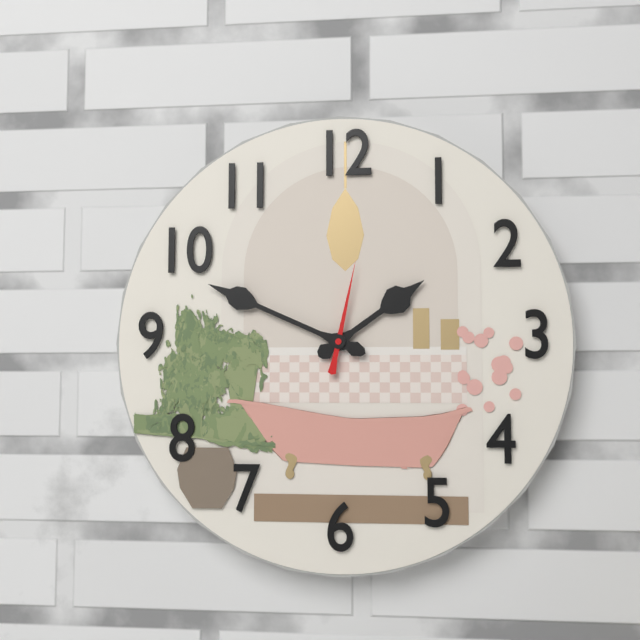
1:49:02
